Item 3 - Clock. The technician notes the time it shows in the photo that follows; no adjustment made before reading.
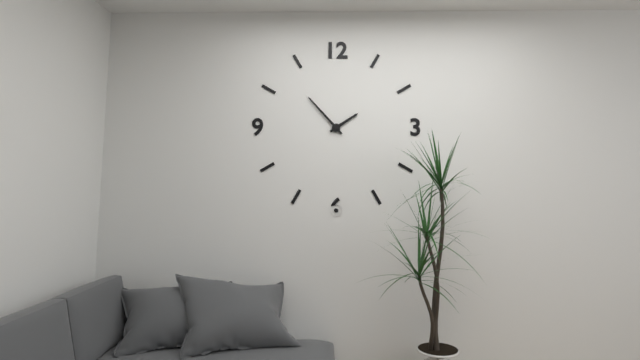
1:53
